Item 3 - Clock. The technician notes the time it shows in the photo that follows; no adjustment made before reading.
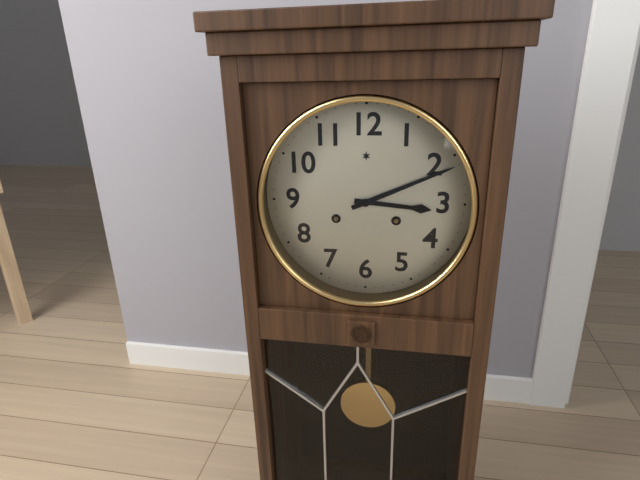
3:11
